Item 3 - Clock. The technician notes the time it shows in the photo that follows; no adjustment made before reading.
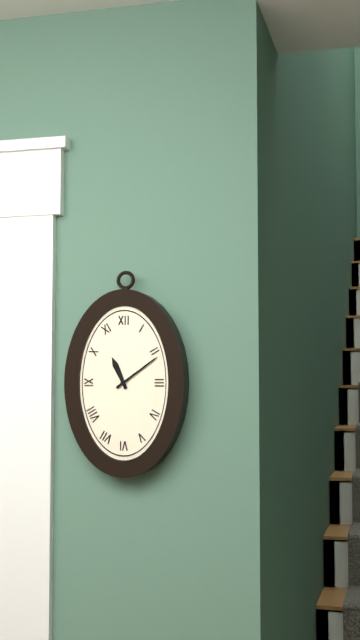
11:09
